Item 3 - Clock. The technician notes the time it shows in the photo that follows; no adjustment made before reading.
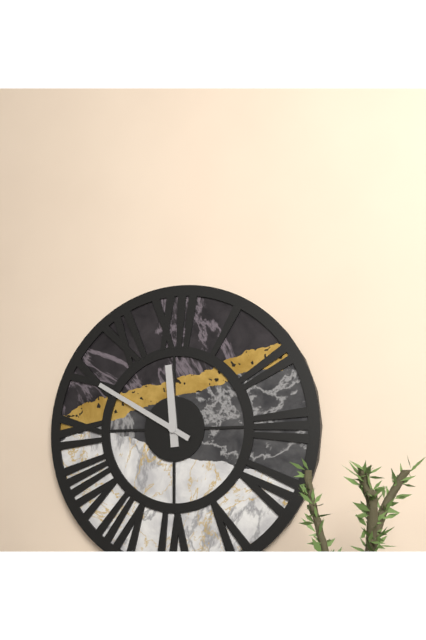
11:50
